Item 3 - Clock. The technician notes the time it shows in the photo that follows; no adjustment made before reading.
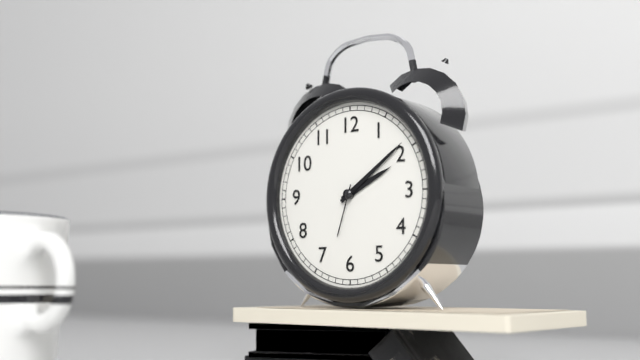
2:09:33
